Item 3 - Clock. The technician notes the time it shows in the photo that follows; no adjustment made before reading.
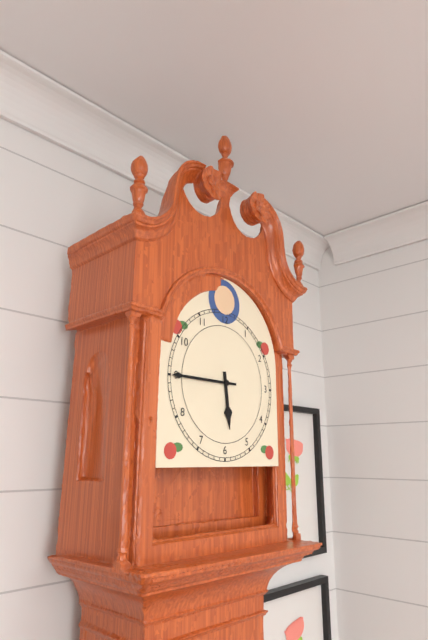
5:45
